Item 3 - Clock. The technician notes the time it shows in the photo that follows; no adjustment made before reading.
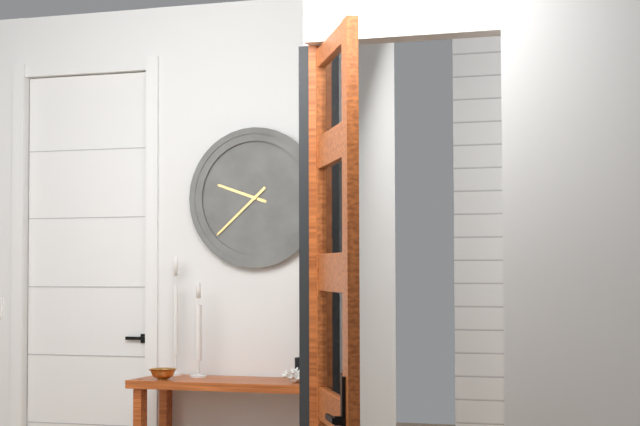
9:38
